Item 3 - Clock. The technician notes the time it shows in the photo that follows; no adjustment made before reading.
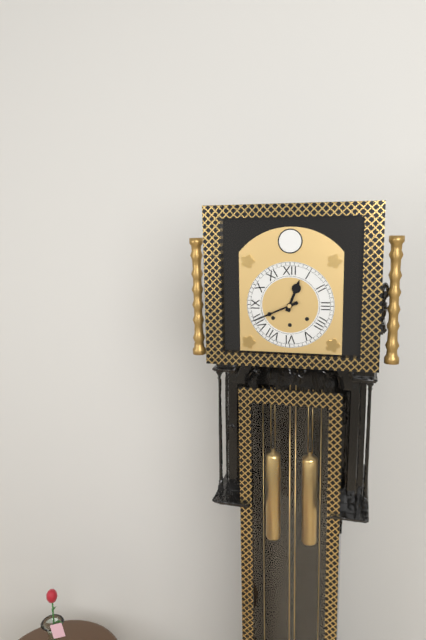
12:41
